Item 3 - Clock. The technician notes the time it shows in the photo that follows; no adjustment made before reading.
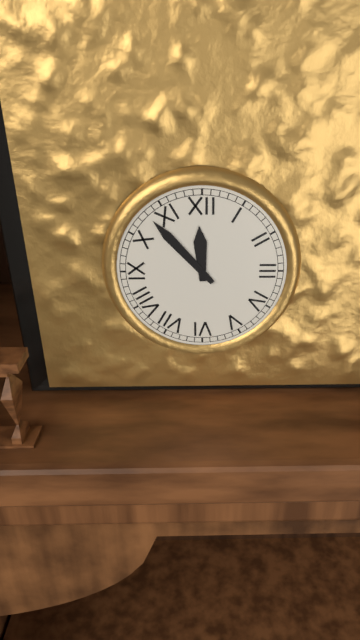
11:53
